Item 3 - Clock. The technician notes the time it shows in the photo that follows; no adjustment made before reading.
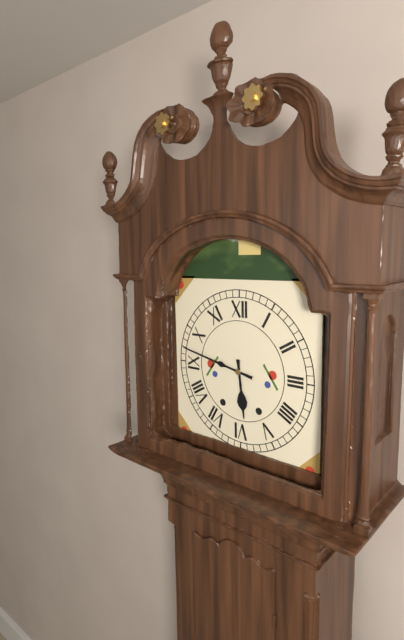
5:47
